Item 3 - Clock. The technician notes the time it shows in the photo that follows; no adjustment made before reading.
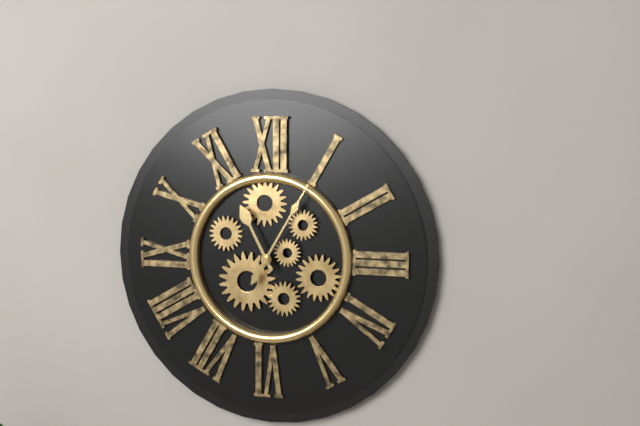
11:05
